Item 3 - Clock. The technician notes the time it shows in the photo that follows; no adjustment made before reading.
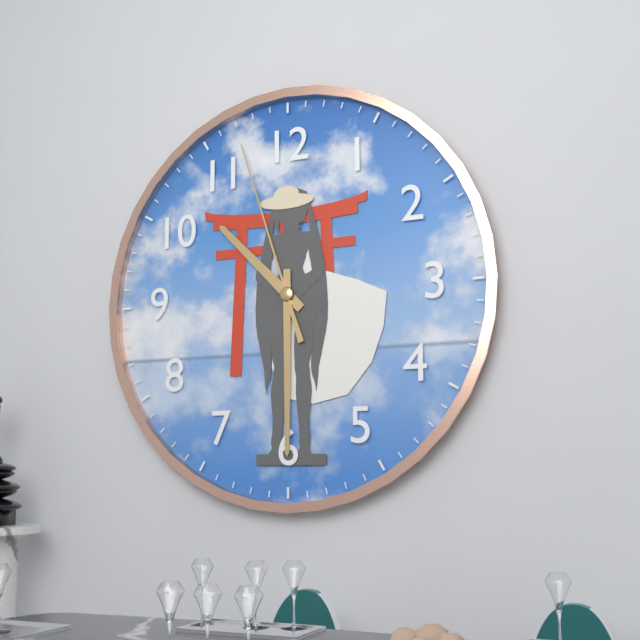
10:30:57
